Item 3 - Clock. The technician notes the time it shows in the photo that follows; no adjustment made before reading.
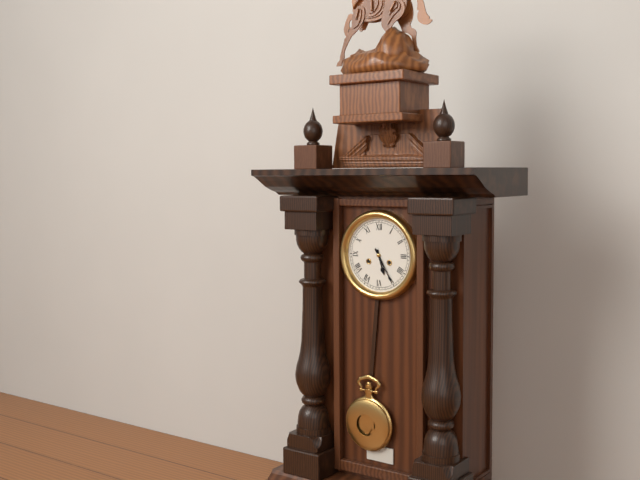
5:25
